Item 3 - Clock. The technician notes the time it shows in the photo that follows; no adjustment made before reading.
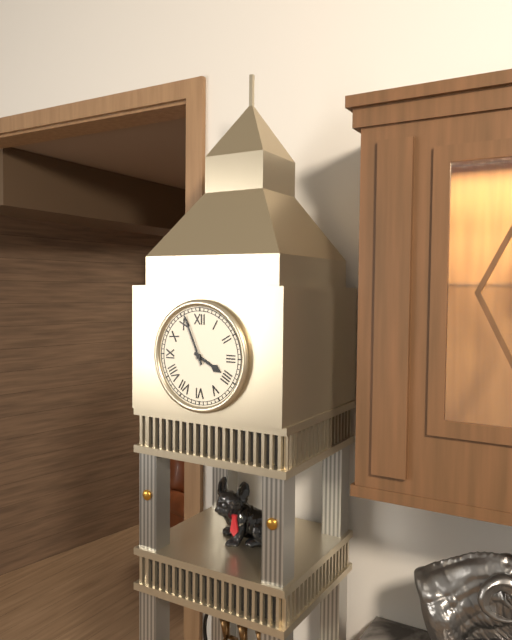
3:56
